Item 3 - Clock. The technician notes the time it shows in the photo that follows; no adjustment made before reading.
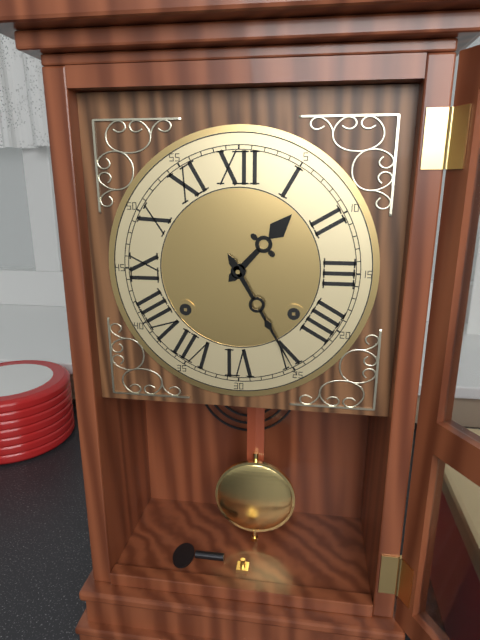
1:25
